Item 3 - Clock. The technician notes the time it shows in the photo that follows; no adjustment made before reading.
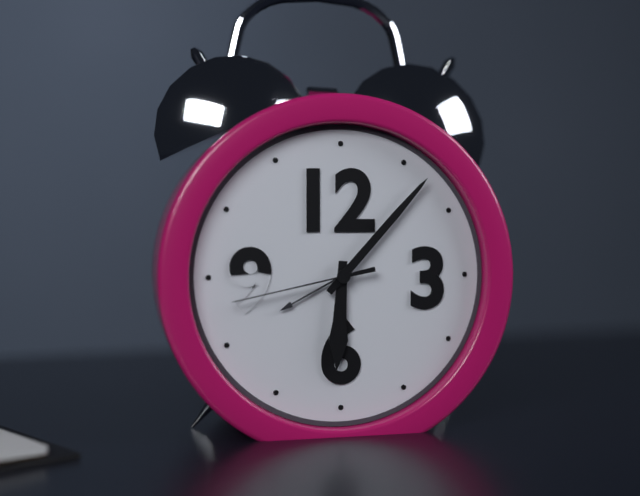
6:07:43
